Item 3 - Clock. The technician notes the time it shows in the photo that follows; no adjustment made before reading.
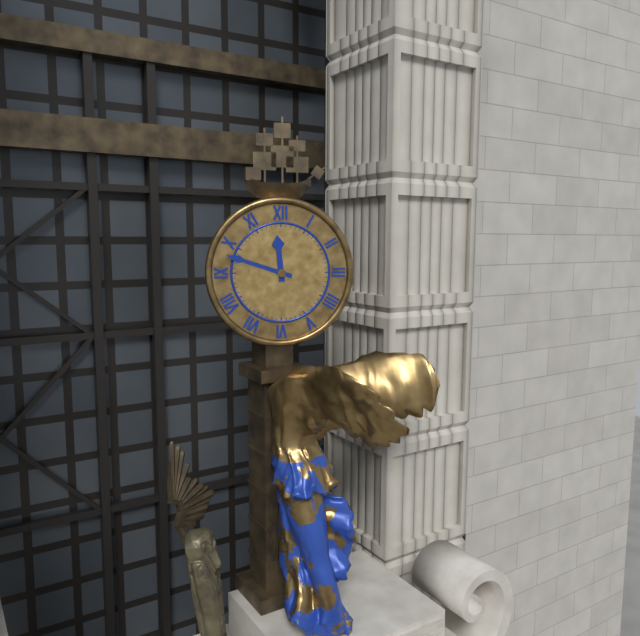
11:48
